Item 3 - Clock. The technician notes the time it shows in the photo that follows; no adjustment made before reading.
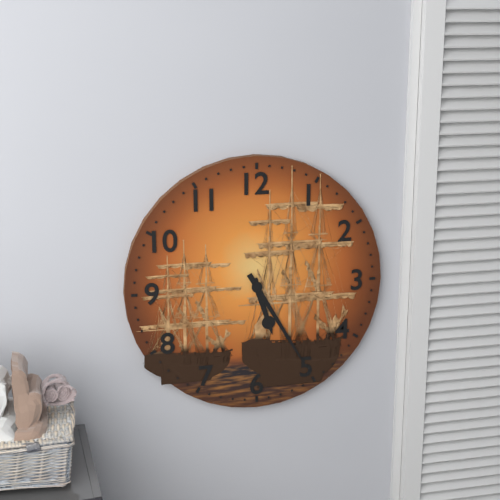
5:25
